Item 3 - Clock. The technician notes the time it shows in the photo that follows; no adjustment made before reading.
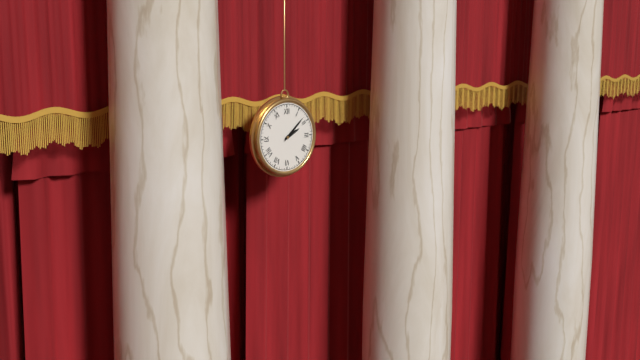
2:08
